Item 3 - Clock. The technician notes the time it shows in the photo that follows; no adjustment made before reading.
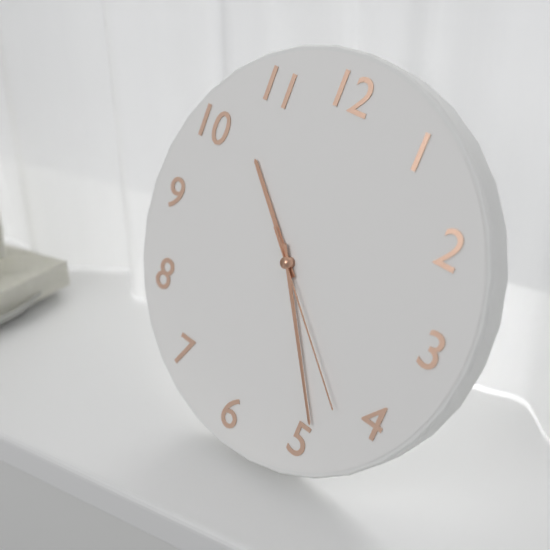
10:24:22
